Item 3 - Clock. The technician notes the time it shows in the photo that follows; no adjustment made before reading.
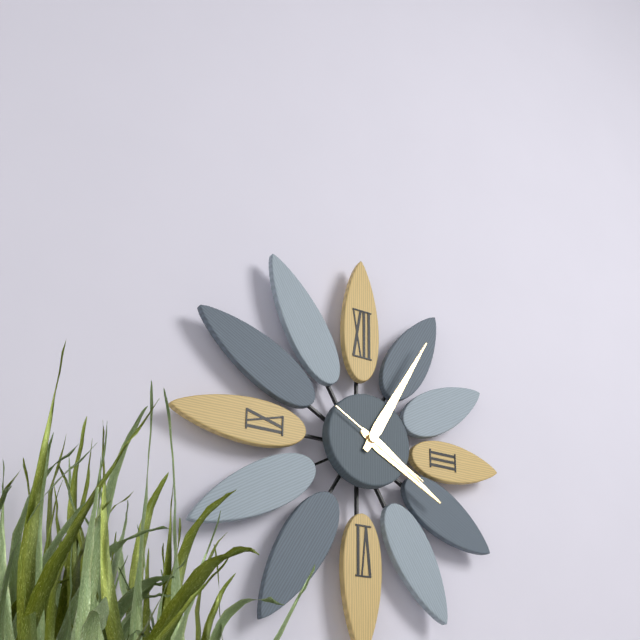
4:05:20
